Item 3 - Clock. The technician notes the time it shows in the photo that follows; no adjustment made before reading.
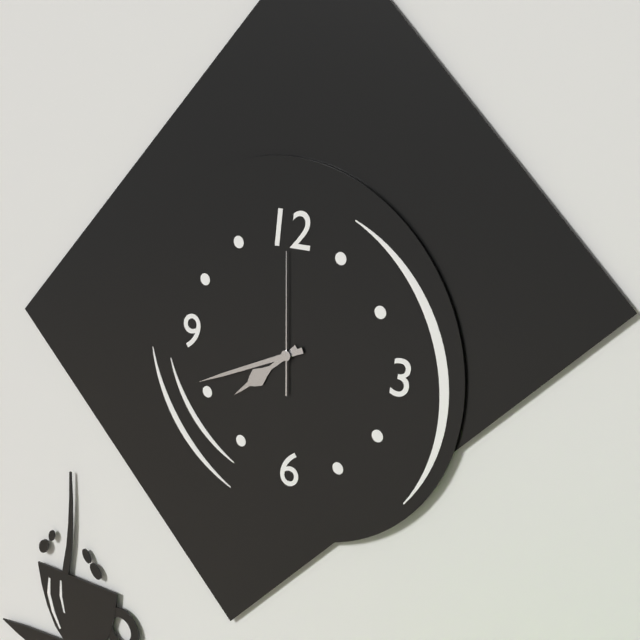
7:41:00
